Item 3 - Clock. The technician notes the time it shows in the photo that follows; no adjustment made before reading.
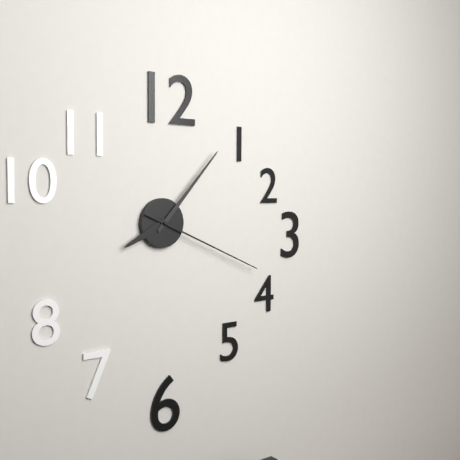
8:07:19
